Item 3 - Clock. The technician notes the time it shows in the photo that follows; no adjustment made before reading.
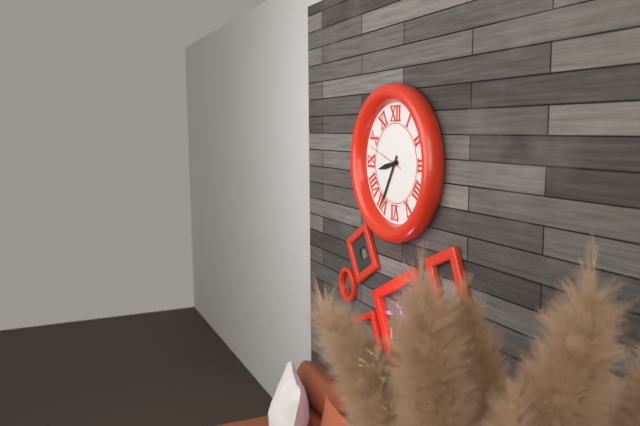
8:35
